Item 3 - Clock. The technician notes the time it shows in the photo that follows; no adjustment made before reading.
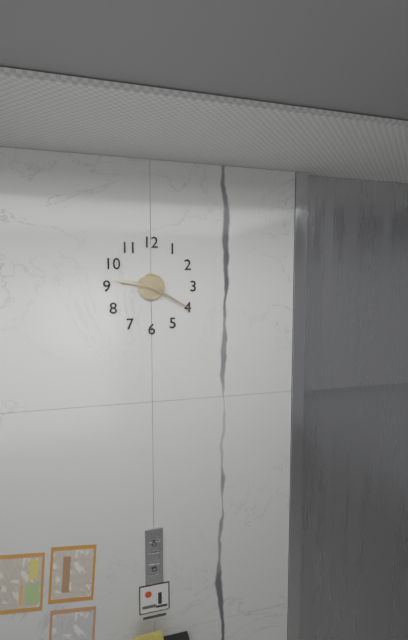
9:20
